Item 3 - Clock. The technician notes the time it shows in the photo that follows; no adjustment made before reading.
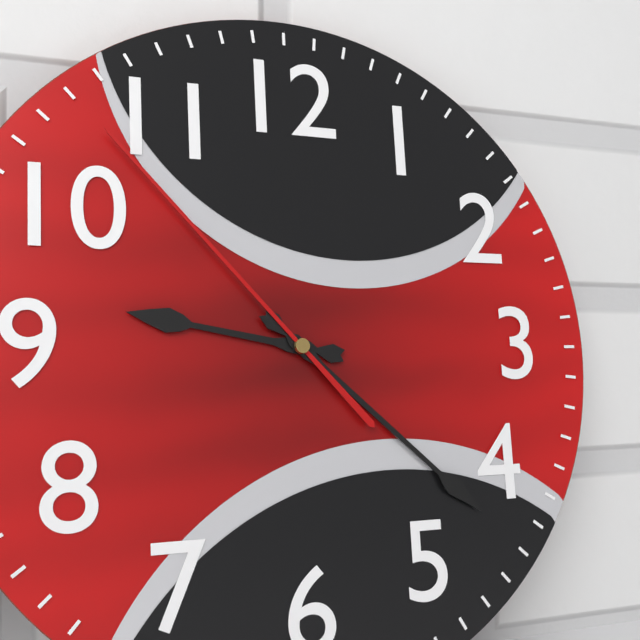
9:22:53
